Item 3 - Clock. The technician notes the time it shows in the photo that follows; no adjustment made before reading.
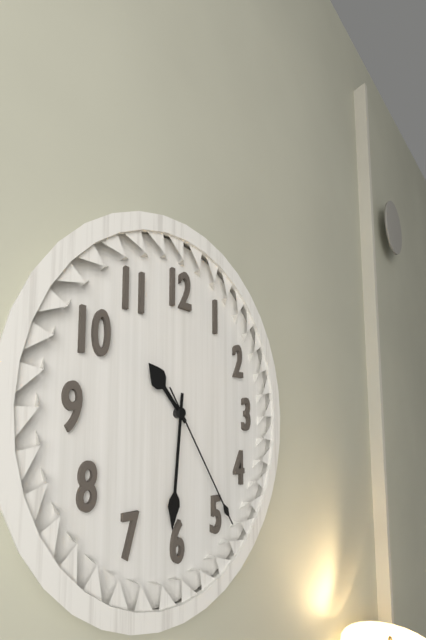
10:31:24
